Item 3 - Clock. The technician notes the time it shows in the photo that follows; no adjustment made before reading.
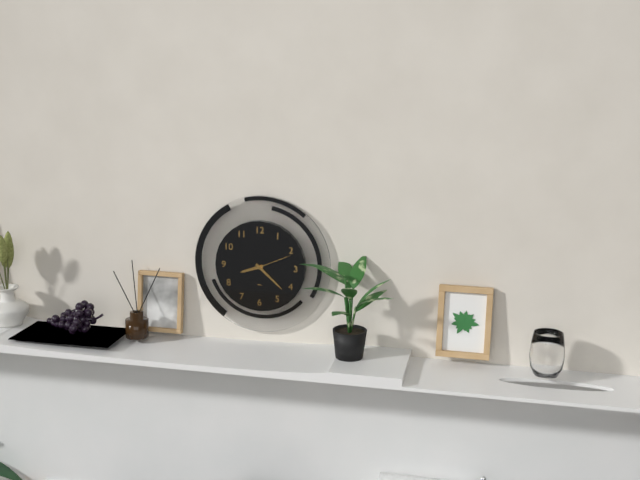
8:22
